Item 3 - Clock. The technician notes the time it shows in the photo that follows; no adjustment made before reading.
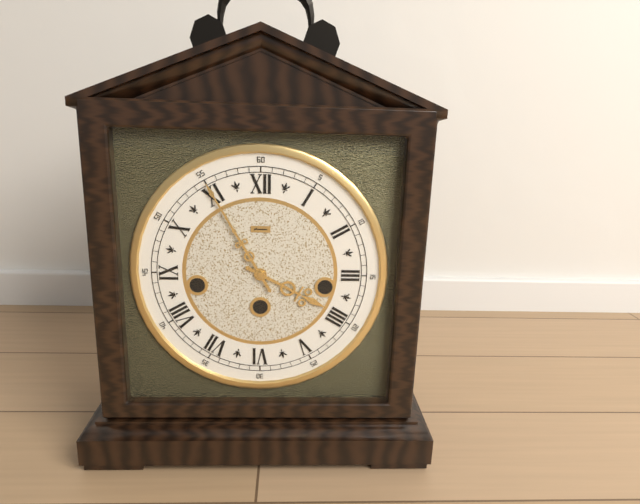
3:55
